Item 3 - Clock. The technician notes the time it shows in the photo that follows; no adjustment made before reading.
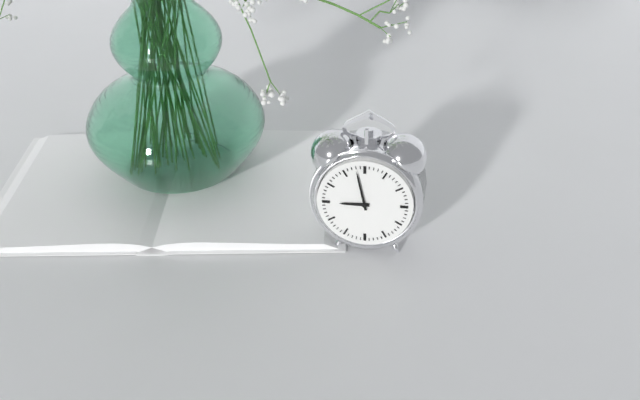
8:58
